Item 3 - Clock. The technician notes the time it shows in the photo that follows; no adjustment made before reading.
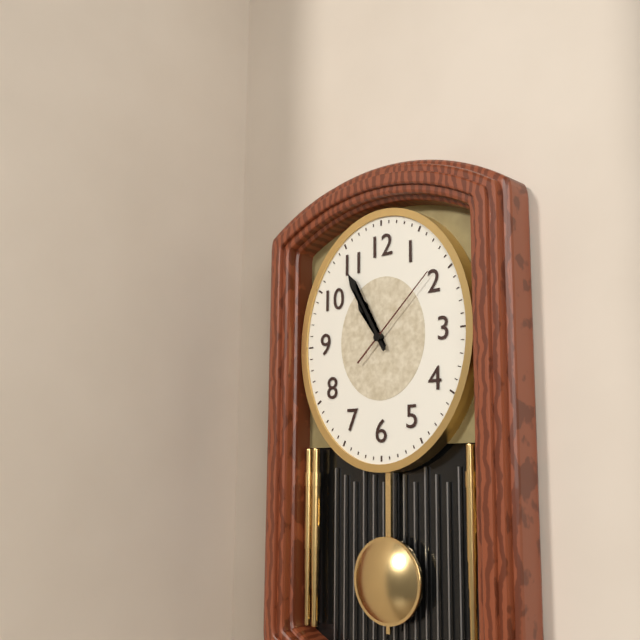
10:55:08
